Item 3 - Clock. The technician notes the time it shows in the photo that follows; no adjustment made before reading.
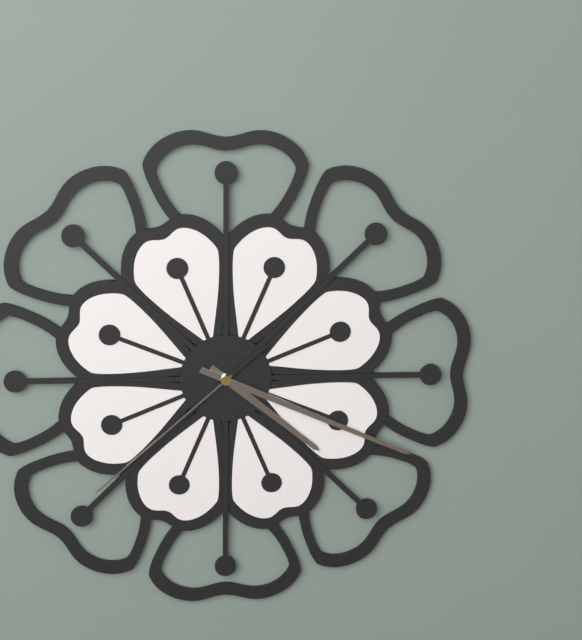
4:19:38
